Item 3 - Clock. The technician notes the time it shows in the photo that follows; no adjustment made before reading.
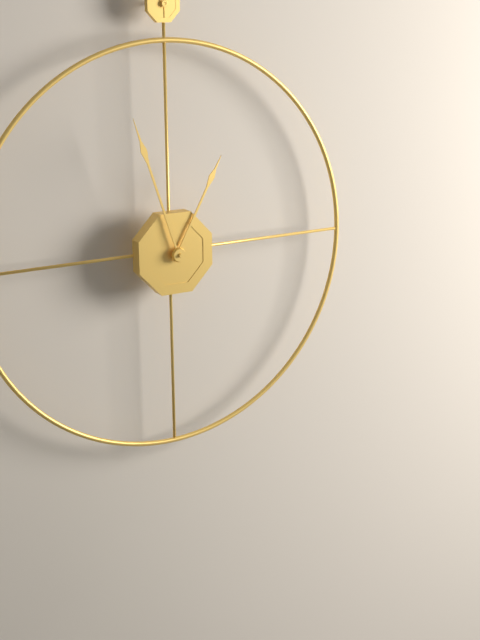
12:57
